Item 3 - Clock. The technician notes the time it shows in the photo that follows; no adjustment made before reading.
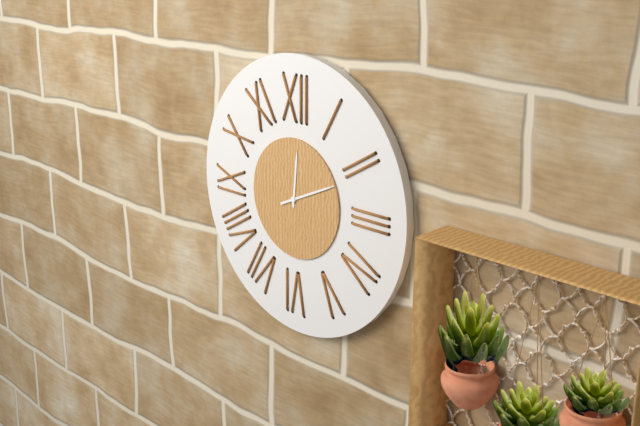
12:11
